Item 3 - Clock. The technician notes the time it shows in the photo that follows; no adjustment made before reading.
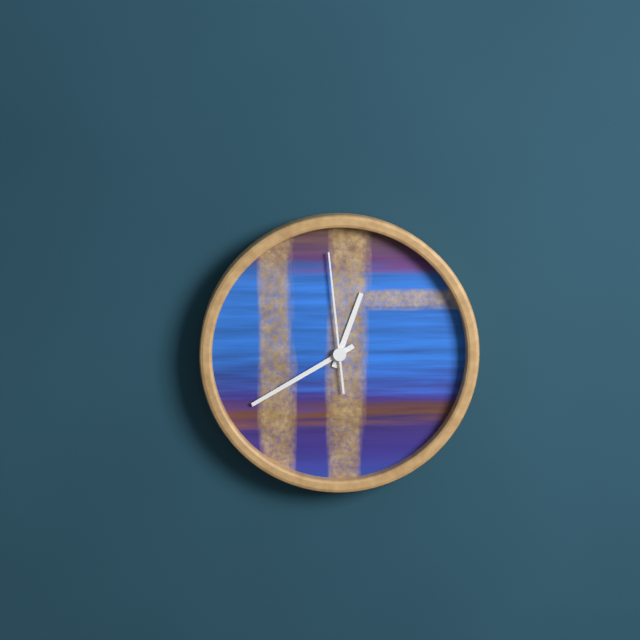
12:40:59
